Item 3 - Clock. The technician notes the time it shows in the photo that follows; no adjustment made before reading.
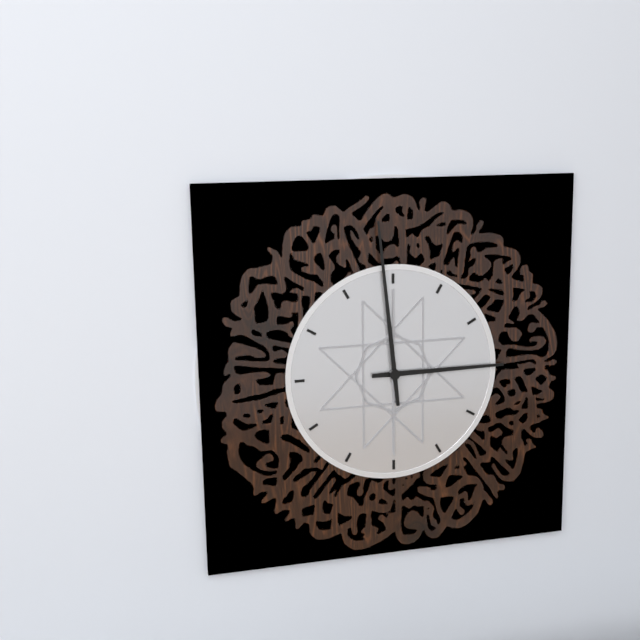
2:59
